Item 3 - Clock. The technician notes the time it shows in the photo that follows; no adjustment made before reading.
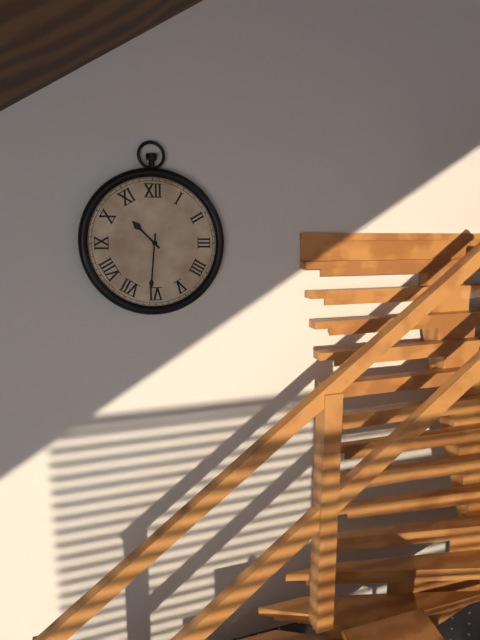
10:31
